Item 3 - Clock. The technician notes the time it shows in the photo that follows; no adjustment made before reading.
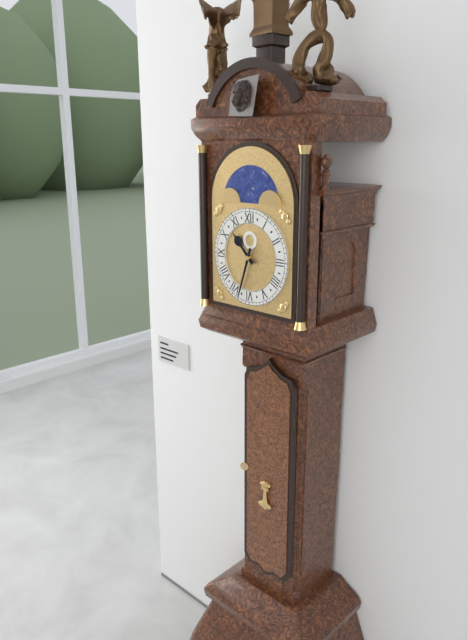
10:33
